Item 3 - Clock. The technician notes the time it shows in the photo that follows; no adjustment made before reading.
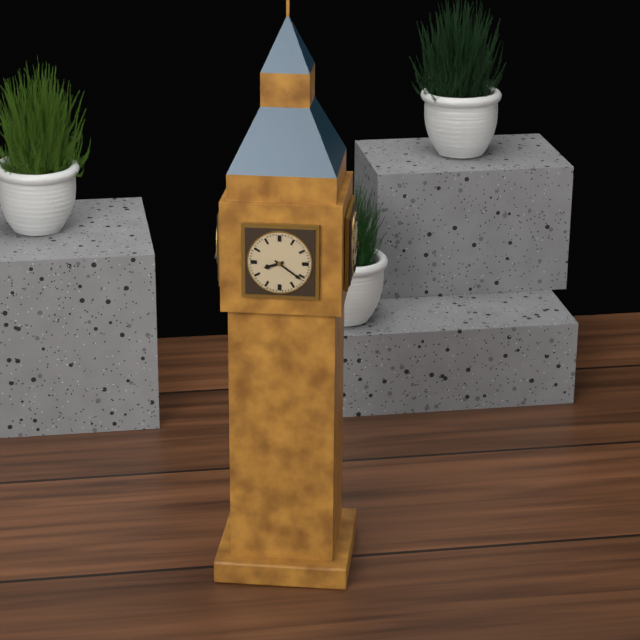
8:21
